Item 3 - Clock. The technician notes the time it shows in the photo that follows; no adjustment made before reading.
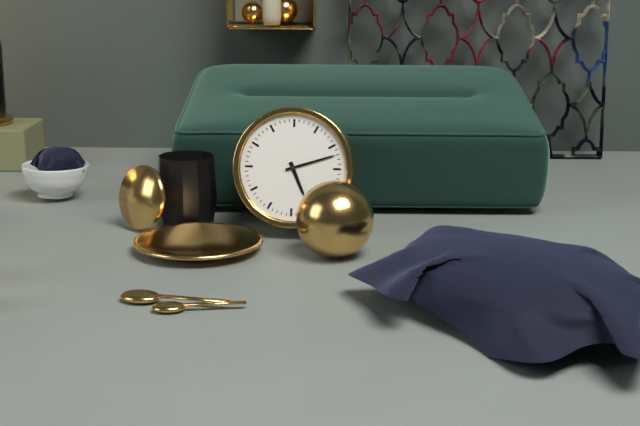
5:12
